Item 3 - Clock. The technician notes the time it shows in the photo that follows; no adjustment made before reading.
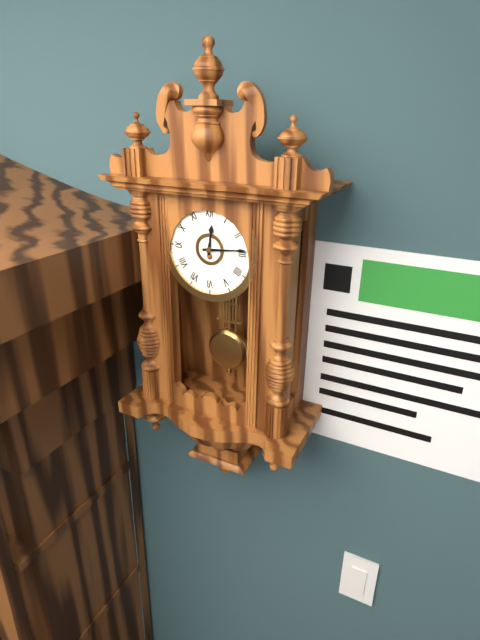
12:14
